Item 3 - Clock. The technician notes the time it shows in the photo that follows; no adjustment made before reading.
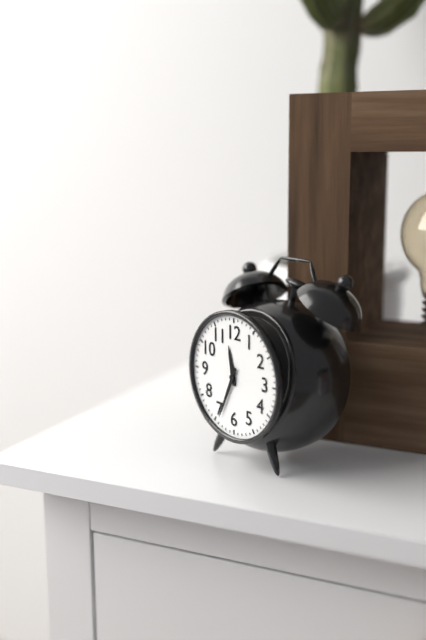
11:34
